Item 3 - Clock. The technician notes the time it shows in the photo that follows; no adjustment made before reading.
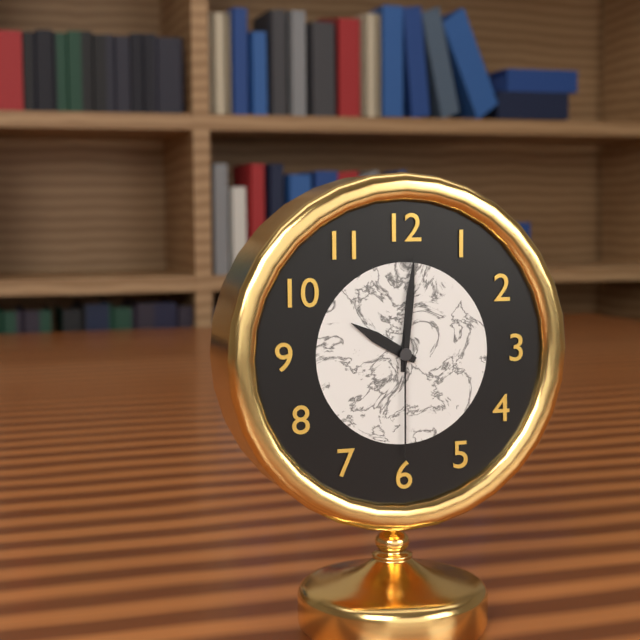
10:01:30
